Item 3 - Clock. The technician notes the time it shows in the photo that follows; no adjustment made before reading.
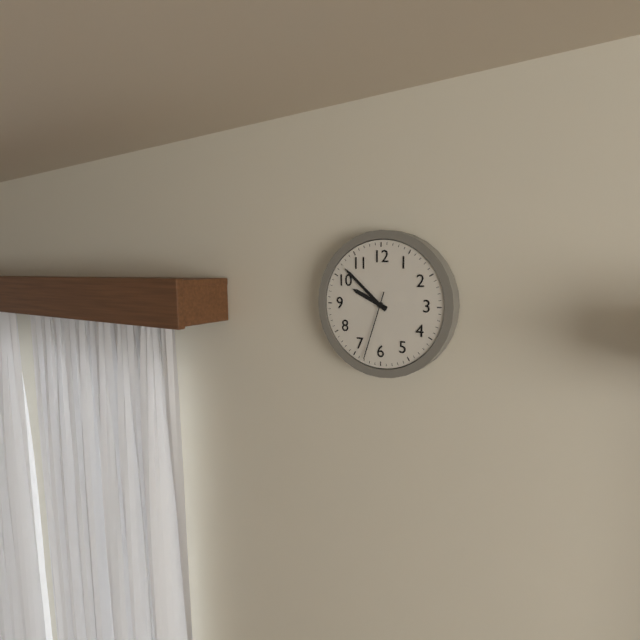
9:52:33
